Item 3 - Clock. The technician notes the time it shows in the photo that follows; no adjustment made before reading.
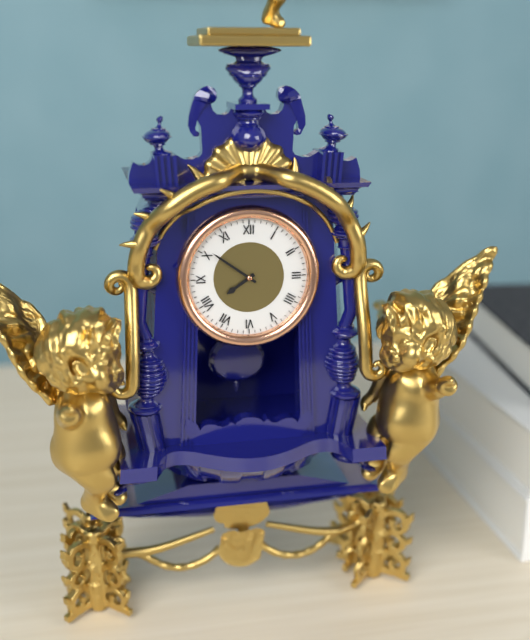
7:51
